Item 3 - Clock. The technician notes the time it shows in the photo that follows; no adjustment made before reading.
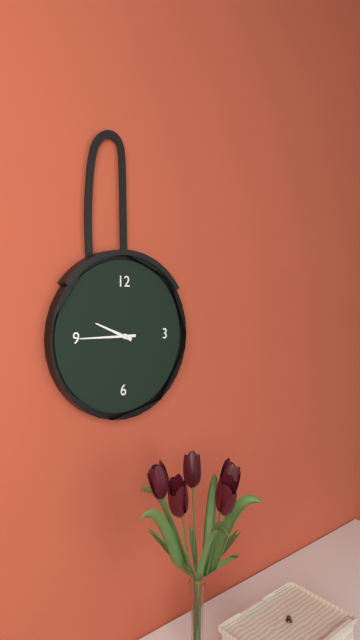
9:45
